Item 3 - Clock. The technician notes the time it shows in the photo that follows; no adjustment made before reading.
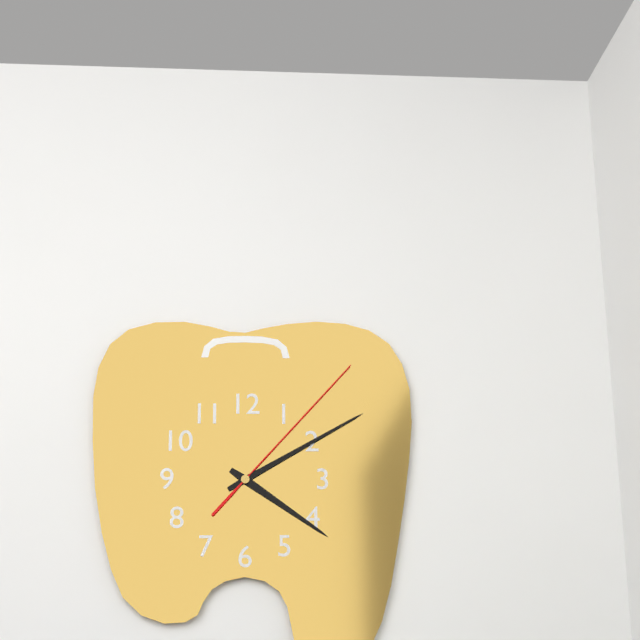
4:10:07
